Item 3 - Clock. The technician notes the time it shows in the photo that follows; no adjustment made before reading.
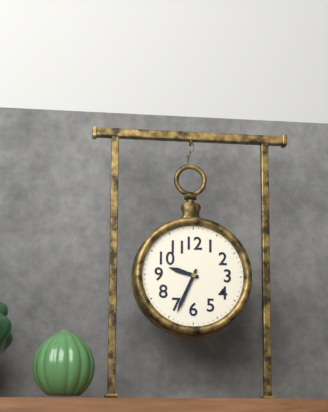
9:34
